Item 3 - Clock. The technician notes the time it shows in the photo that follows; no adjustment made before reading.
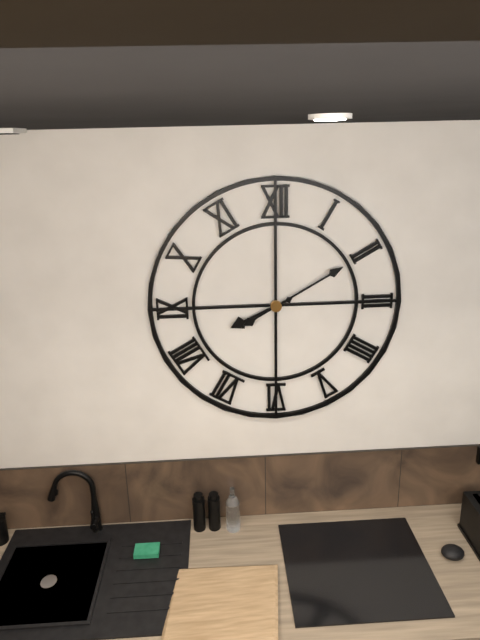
8:10
